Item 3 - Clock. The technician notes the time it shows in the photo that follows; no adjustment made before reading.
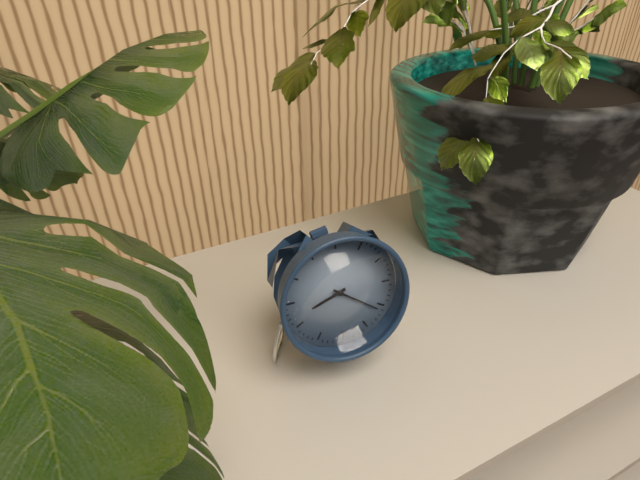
8:21
